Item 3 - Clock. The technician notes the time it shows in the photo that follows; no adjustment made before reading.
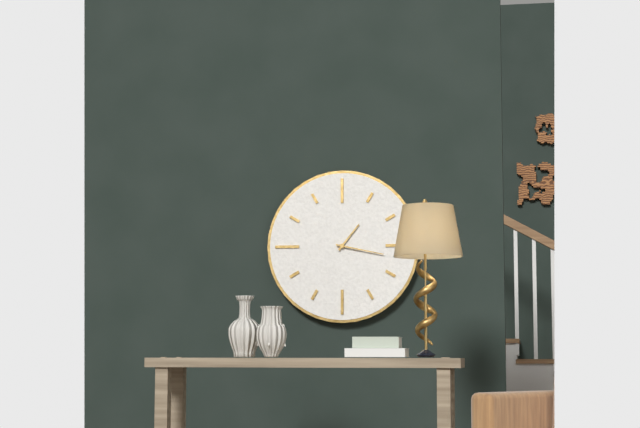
1:17
